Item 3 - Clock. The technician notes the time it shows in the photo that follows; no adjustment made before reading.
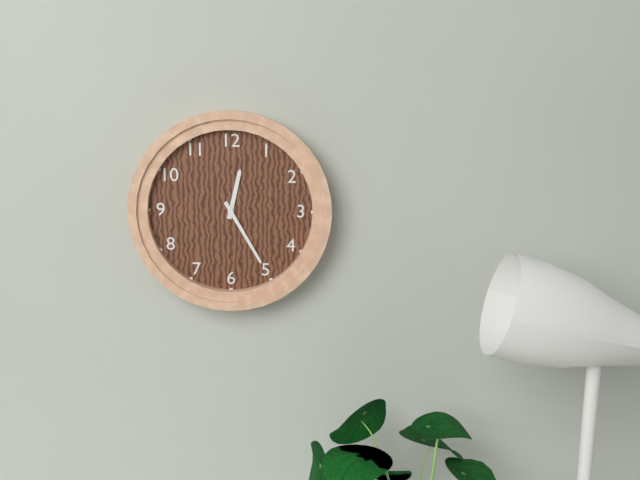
12:25
